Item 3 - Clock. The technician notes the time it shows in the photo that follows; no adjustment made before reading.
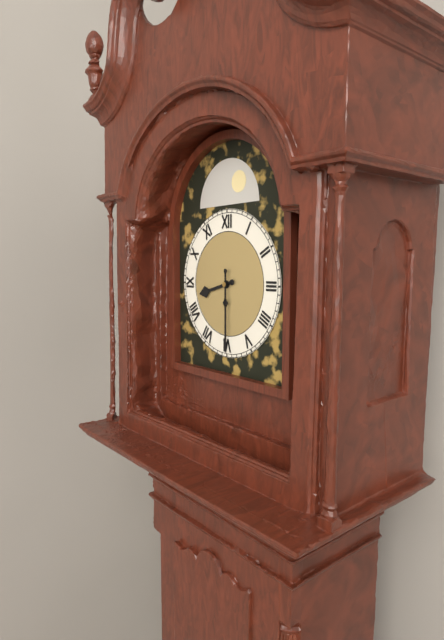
8:30
